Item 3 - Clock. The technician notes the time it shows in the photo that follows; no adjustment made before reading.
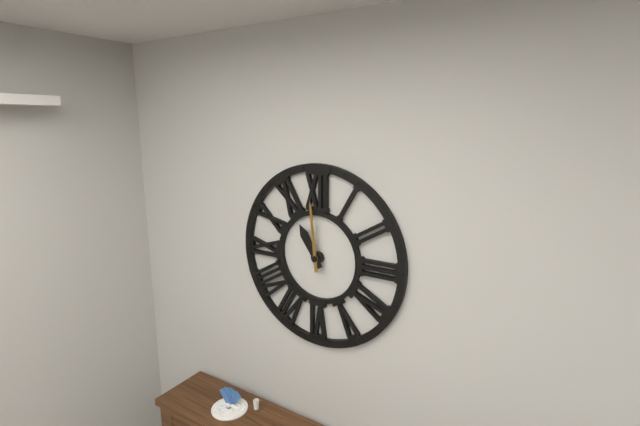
10:59
